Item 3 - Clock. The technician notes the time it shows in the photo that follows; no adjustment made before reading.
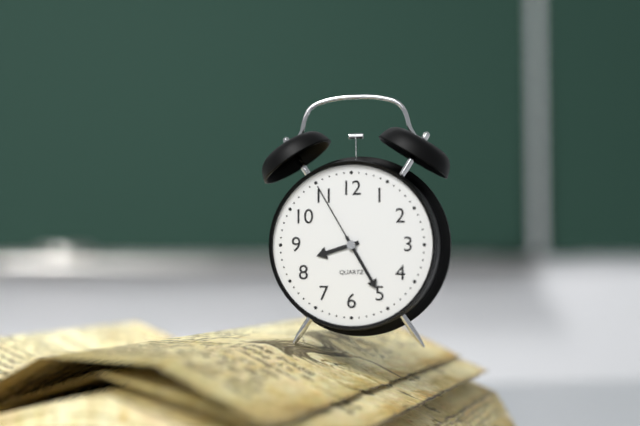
8:25:55
